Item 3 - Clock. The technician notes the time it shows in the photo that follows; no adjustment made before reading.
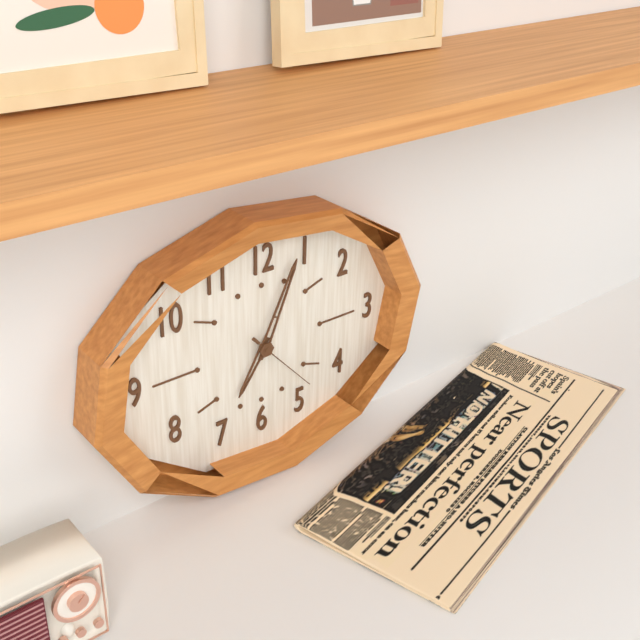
7:04:23
